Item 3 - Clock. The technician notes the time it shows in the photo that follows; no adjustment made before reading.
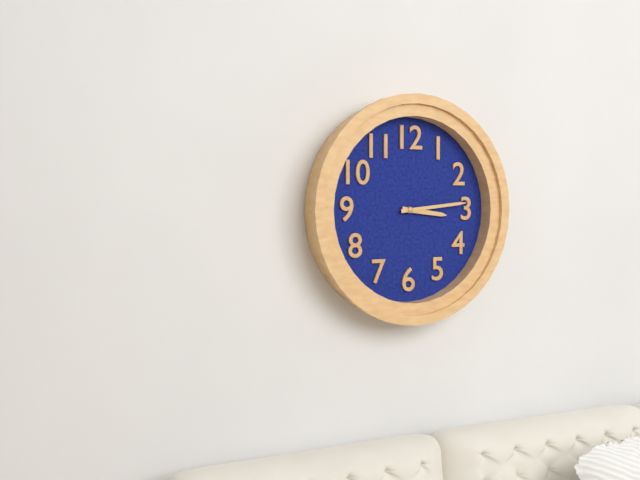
3:14
